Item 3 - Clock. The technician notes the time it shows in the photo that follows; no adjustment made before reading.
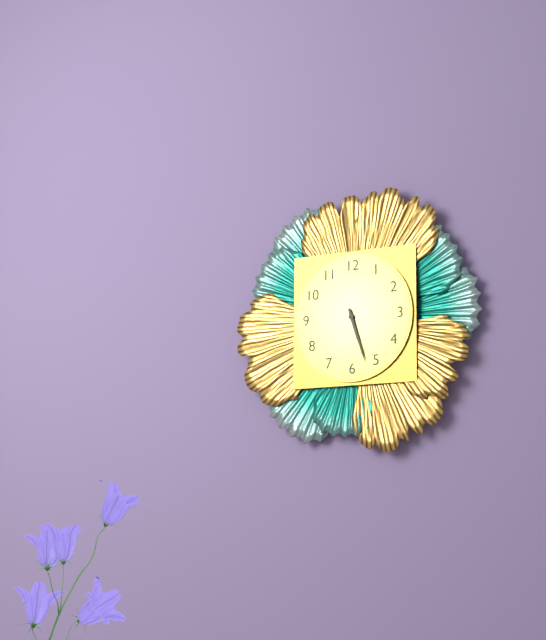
5:27
